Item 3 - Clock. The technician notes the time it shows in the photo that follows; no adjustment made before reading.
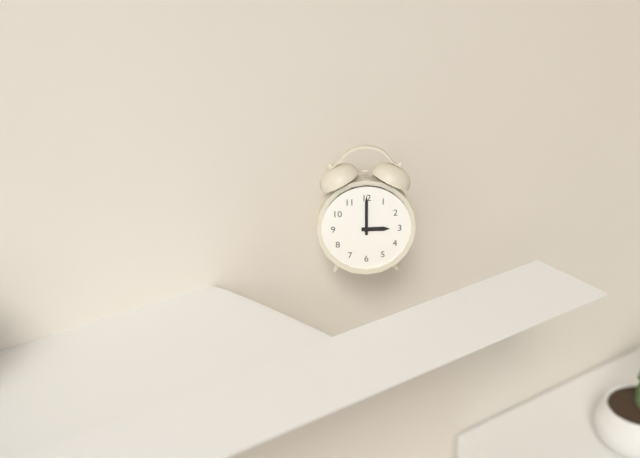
3:00
